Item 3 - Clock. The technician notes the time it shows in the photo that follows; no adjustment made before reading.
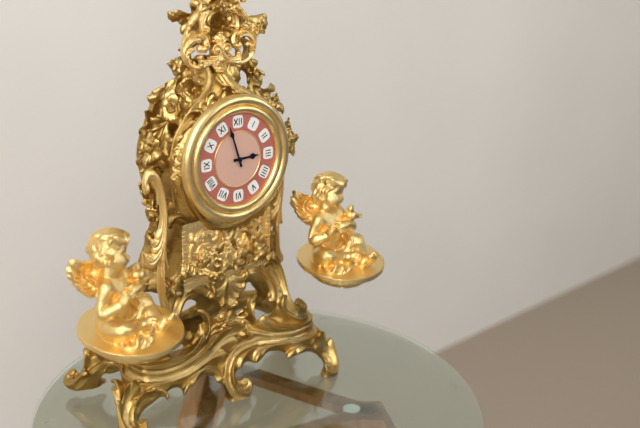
2:57
